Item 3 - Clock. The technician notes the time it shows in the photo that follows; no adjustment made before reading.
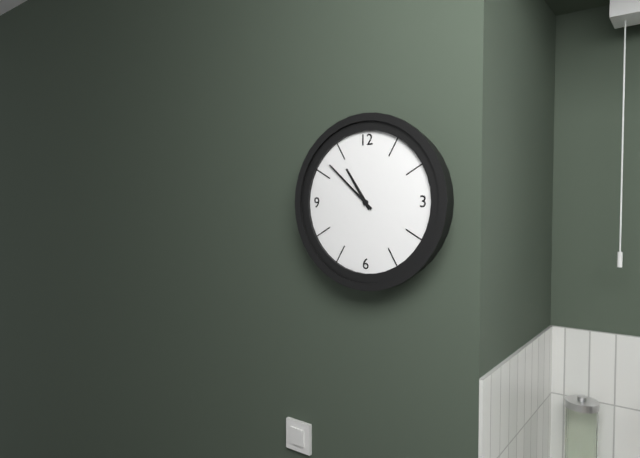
10:52
